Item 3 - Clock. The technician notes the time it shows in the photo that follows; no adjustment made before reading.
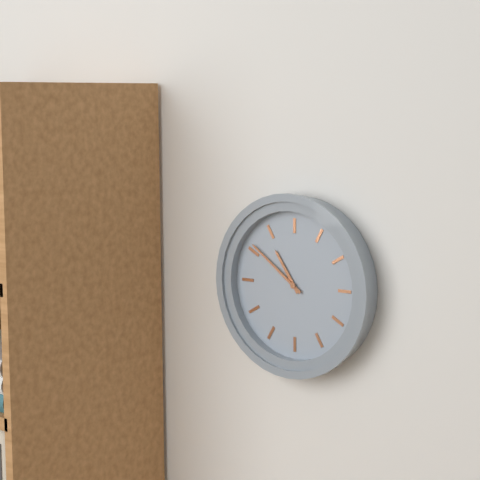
10:51
